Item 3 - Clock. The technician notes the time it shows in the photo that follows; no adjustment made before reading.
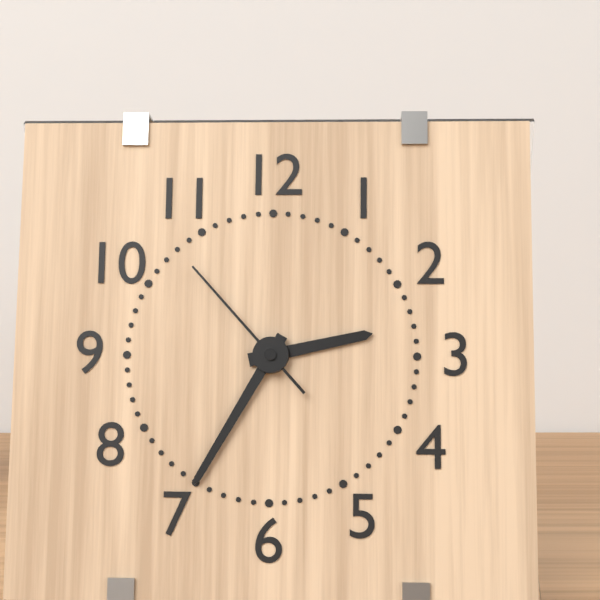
2:35:53
